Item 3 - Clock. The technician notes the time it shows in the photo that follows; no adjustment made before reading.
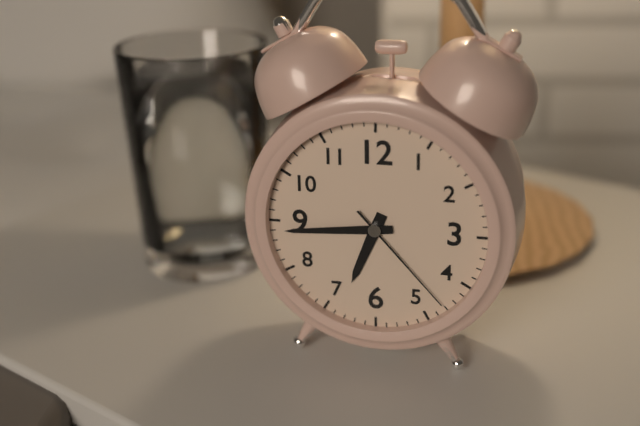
6:44:23
